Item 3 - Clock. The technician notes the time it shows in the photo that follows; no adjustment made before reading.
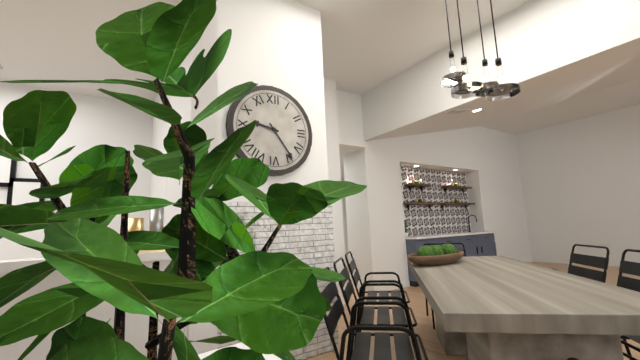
9:24
